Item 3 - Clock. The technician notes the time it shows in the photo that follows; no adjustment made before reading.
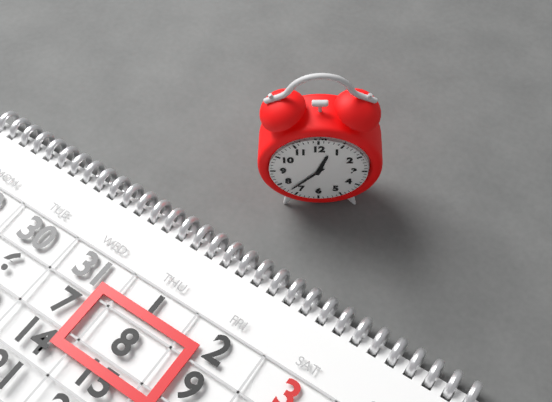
12:37
